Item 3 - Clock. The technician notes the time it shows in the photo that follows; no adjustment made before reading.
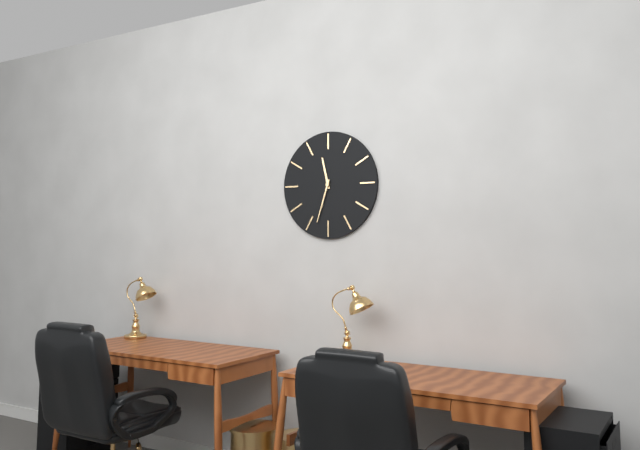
11:33
